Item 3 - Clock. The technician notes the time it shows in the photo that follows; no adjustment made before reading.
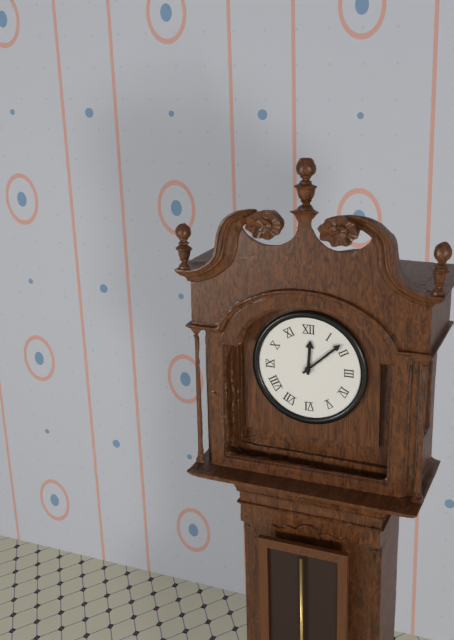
12:08
